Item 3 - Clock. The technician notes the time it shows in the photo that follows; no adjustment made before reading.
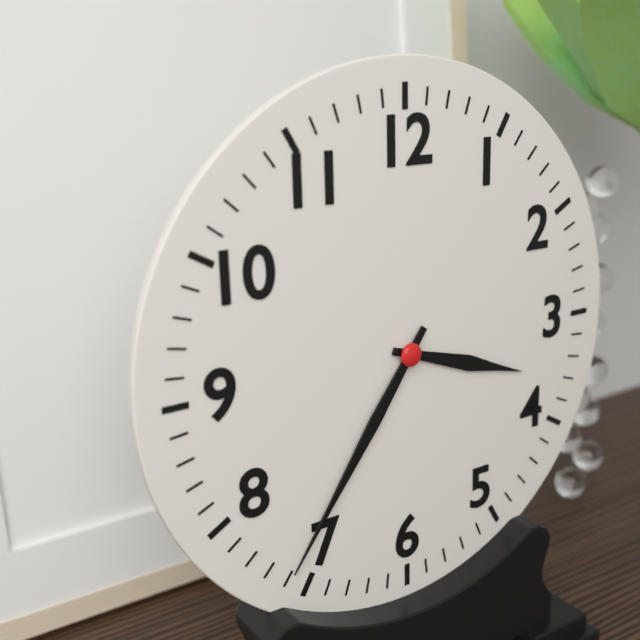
3:36
